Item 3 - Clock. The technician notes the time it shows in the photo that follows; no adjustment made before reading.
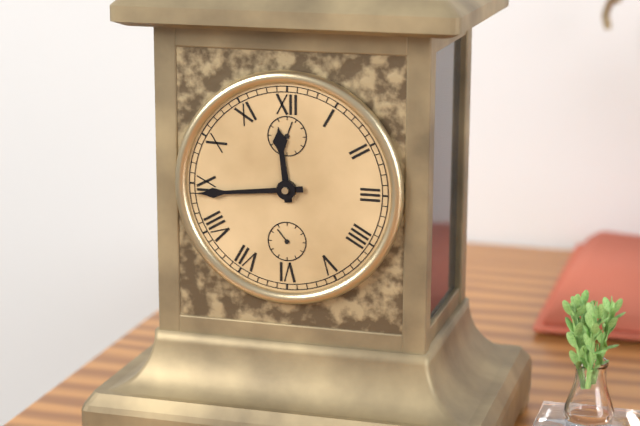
11:44
